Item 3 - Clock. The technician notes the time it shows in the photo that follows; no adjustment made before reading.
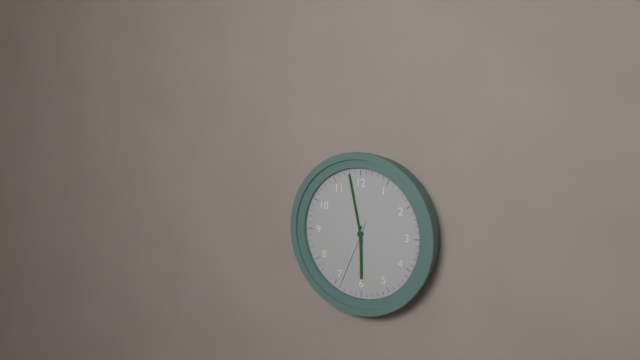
5:58:34
